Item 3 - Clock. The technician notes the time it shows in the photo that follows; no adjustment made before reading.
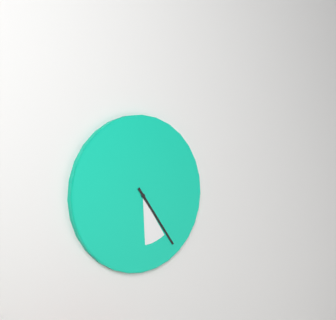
5:24
